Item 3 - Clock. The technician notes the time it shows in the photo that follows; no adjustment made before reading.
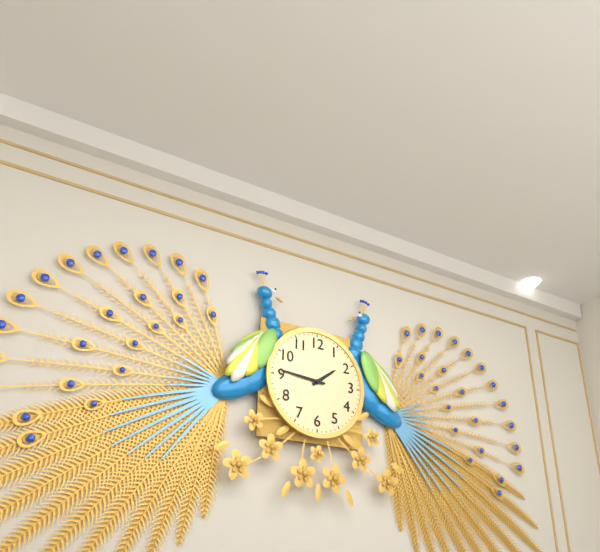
1:46
